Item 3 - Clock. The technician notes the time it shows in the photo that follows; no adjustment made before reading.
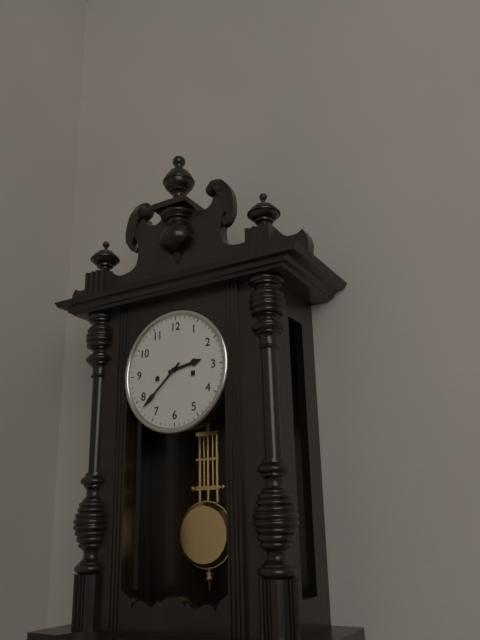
2:38
